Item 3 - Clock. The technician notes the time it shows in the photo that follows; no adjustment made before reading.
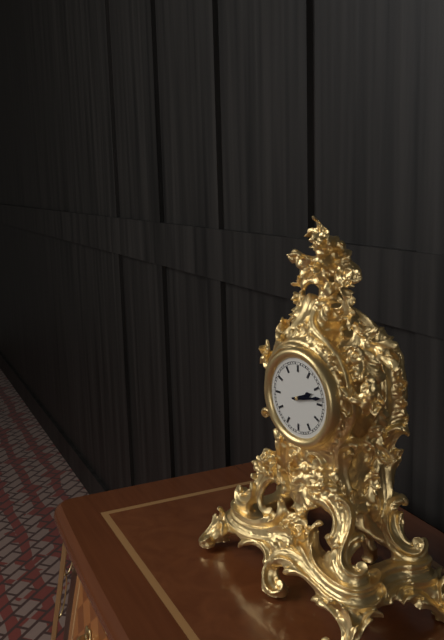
2:13
